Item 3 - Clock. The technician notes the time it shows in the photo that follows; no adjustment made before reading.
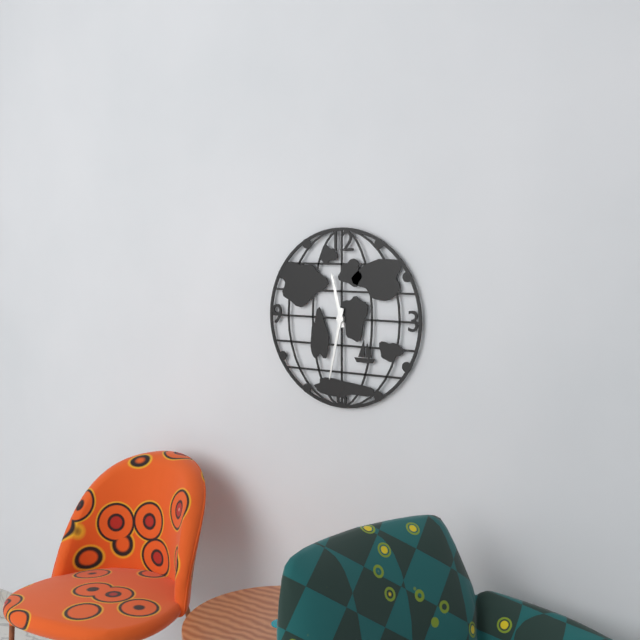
11:32
